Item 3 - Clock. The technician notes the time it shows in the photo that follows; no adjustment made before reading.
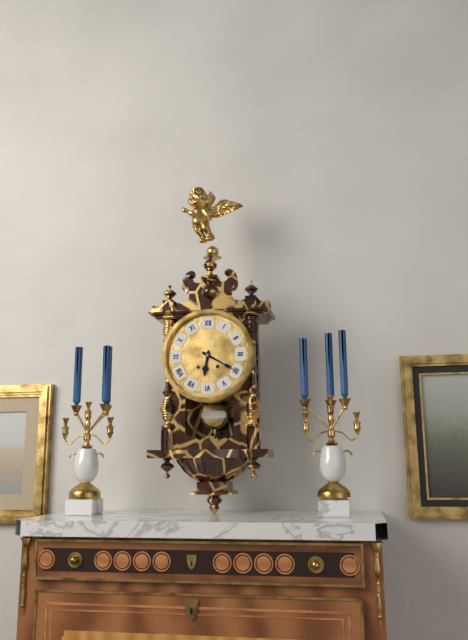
6:20
